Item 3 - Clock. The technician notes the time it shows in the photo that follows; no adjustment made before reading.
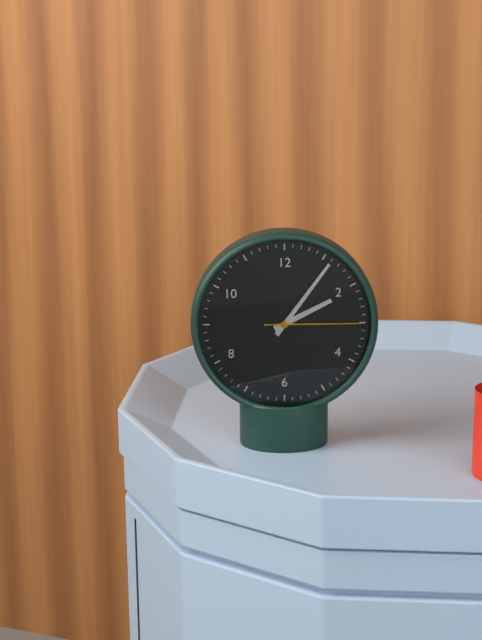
2:06:15
